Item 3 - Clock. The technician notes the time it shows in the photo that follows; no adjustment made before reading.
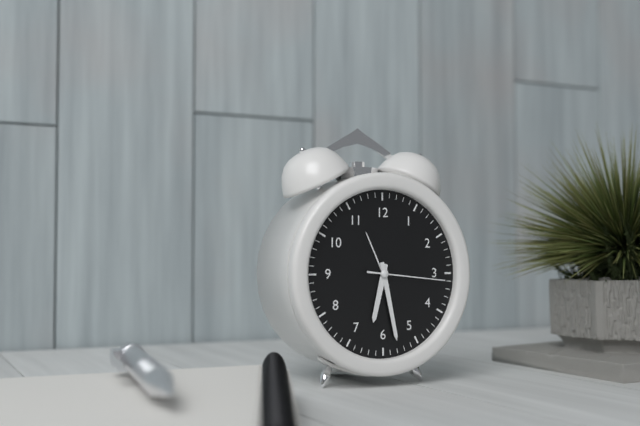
6:28:16
